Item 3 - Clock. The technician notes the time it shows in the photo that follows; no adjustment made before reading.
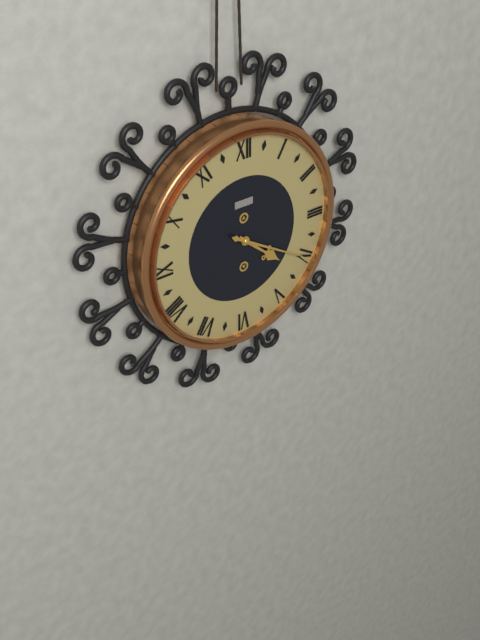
4:20
